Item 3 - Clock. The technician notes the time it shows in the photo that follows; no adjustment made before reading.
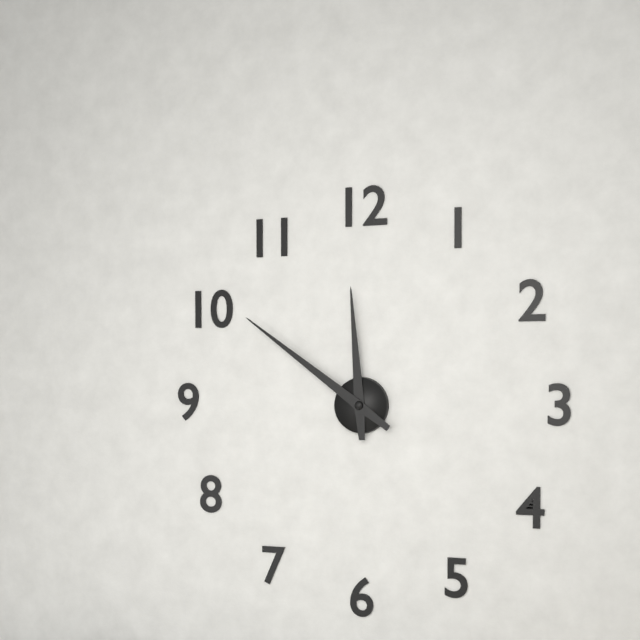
11:51
